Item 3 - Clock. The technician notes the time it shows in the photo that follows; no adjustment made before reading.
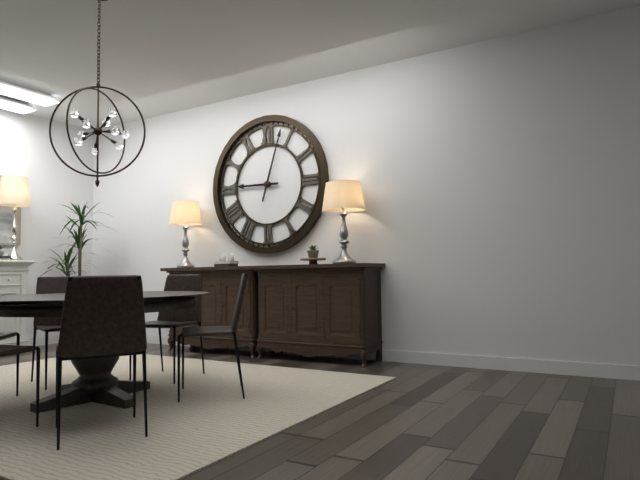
9:03
